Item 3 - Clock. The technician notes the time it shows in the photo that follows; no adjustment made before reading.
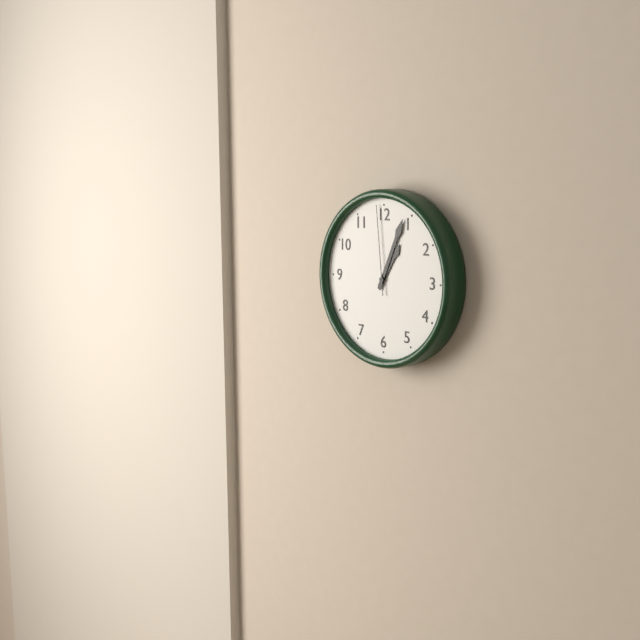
1:04:59
